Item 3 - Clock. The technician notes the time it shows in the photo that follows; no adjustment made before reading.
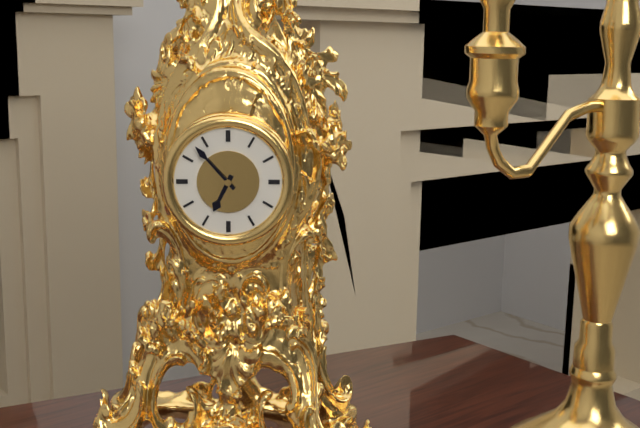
6:53
